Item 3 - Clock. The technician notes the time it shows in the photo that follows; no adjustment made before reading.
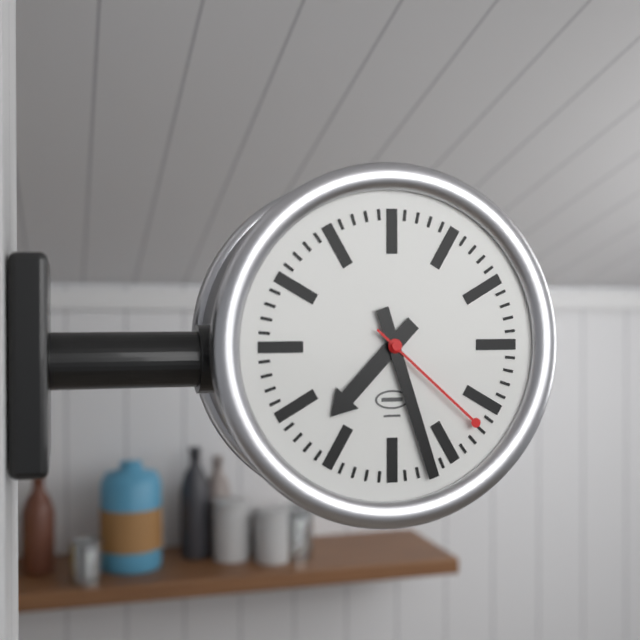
7:27:22
